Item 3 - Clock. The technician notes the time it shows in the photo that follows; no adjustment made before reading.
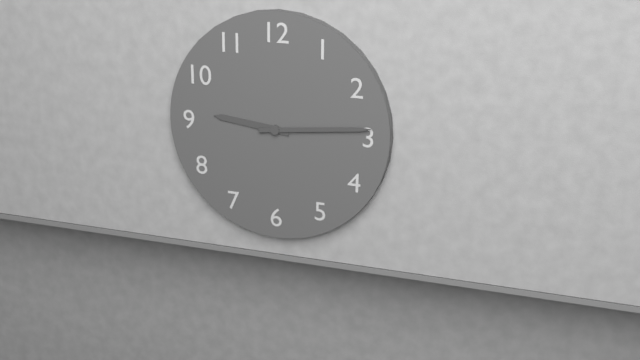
9:14
